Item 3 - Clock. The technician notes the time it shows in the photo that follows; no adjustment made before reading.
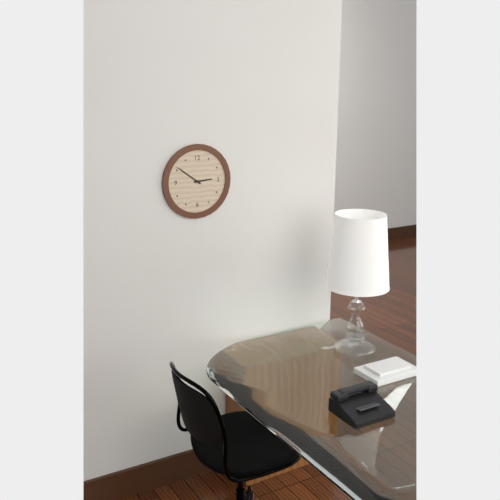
2:51
